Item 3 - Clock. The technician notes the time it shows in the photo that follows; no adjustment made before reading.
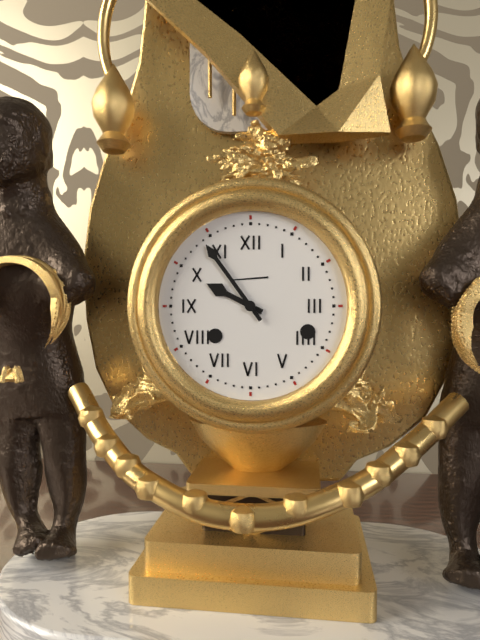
9:54
